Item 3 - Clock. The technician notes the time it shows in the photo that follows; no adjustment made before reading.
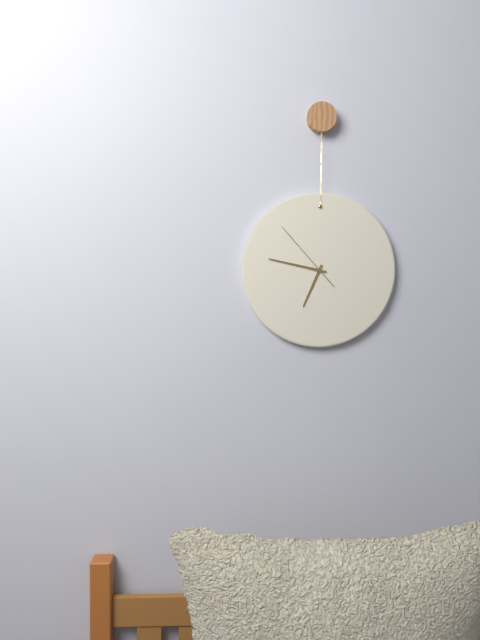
6:47:53
